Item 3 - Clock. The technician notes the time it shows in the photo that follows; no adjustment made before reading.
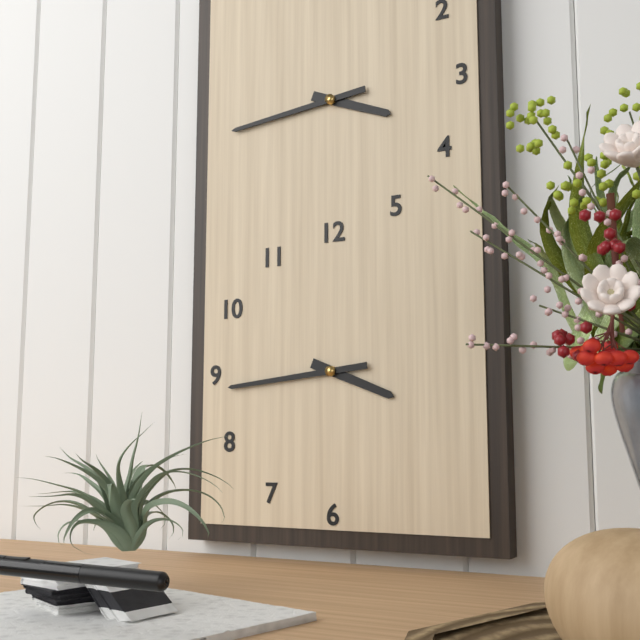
3:44
